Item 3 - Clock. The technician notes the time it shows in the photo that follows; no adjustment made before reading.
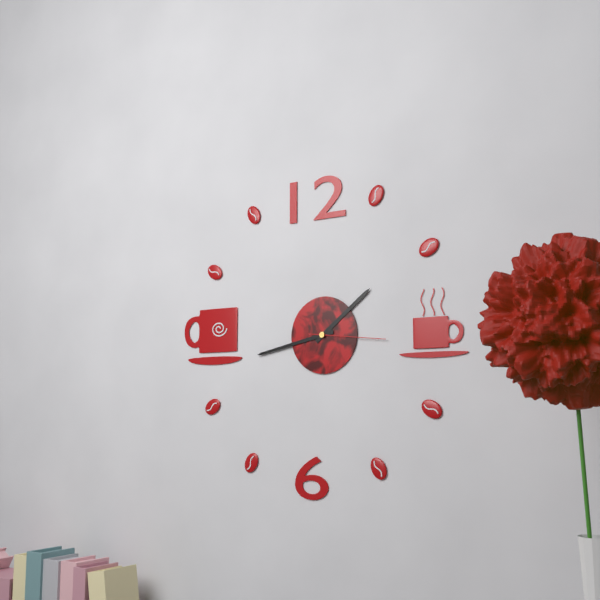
1:43:16
